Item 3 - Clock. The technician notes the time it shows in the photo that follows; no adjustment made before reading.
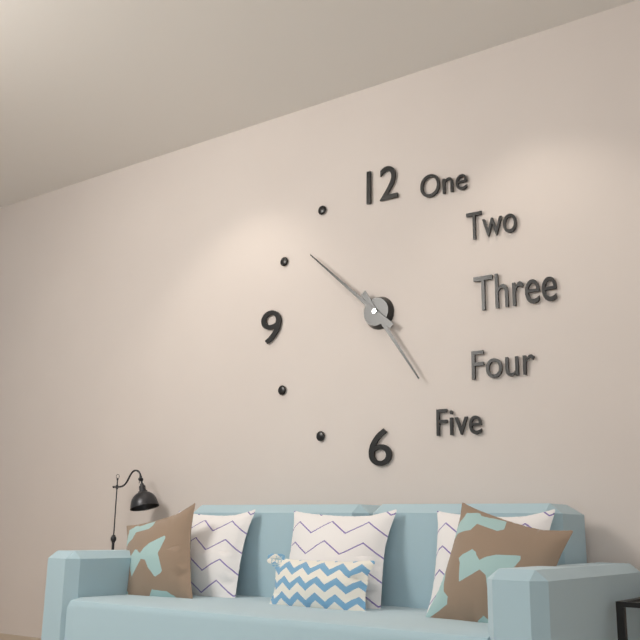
4:52
